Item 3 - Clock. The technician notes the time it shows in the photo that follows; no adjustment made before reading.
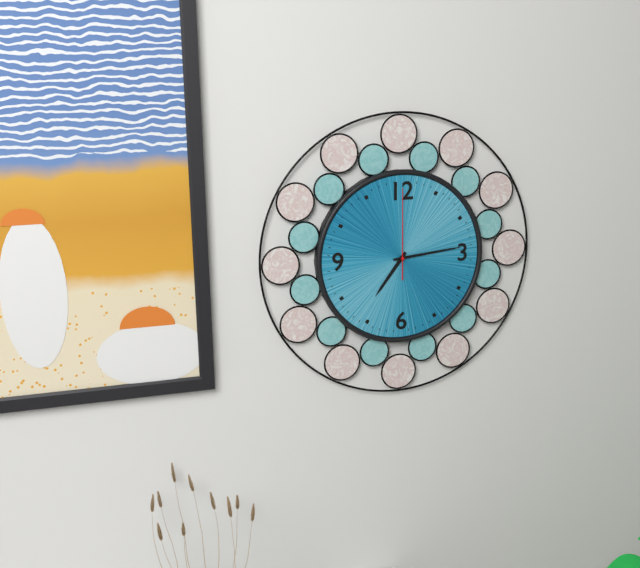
7:14:00
